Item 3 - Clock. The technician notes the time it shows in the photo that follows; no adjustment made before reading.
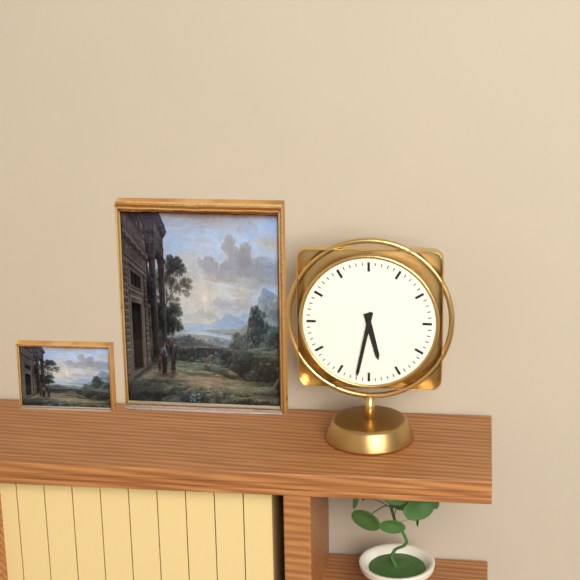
5:32
